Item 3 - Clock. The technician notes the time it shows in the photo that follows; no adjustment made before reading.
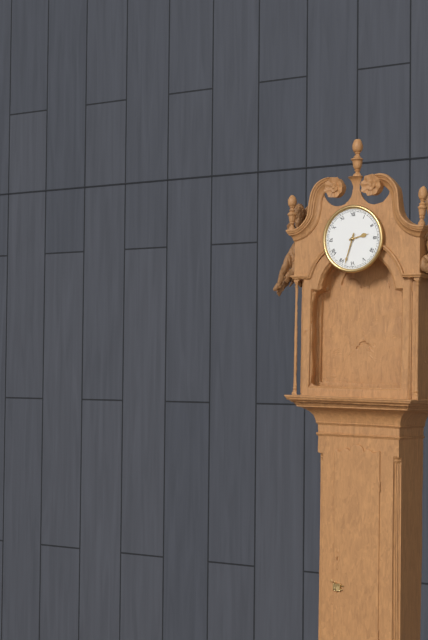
2:33
